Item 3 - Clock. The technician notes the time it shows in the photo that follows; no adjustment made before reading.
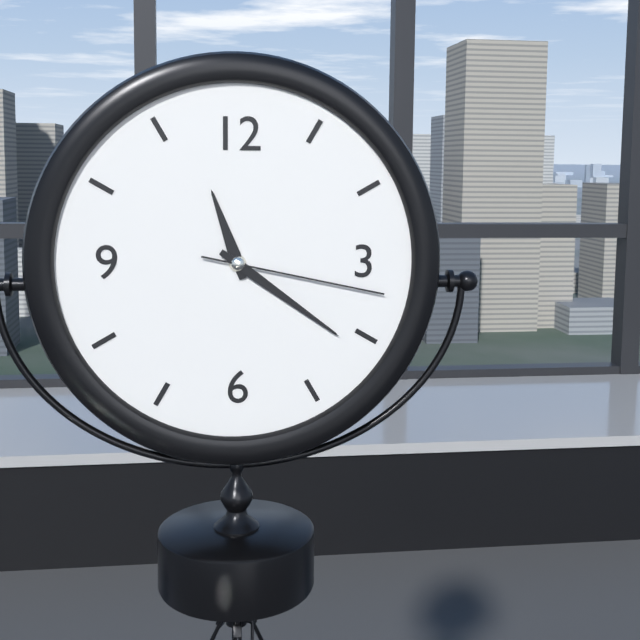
11:21:17
